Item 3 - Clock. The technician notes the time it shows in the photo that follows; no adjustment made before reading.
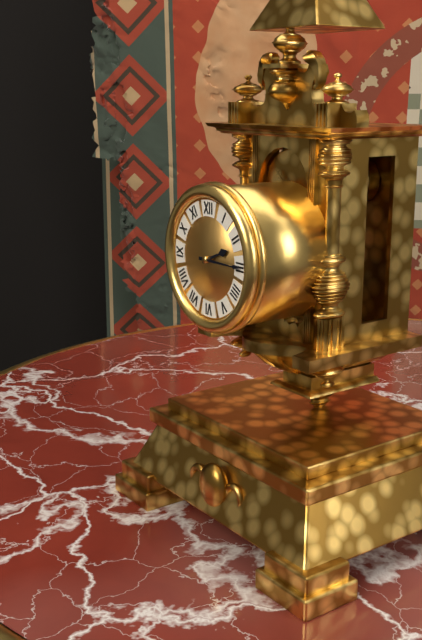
2:15
